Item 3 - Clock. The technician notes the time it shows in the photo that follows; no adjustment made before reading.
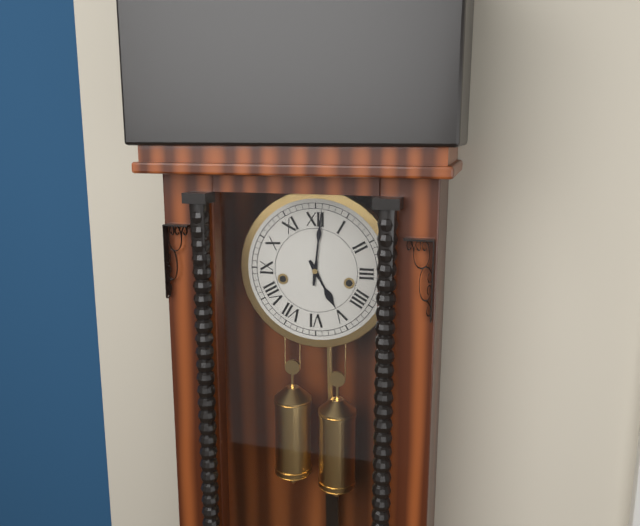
5:01
